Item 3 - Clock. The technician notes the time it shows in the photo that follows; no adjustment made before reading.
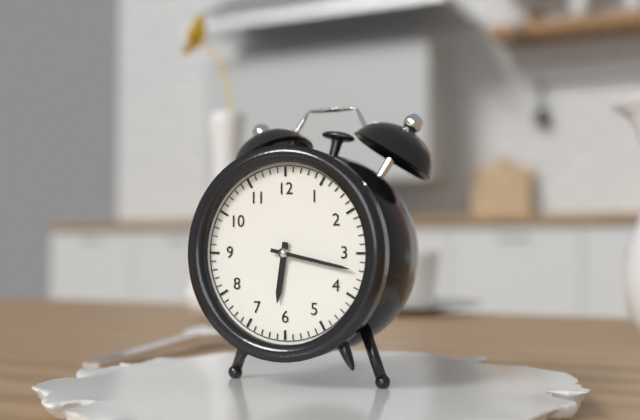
6:17
